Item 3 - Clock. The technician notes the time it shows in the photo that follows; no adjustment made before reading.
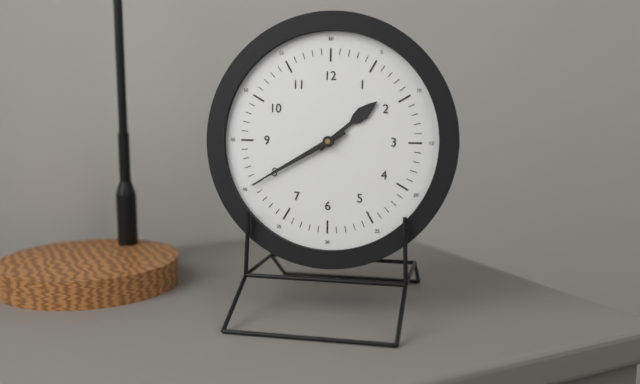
1:40
